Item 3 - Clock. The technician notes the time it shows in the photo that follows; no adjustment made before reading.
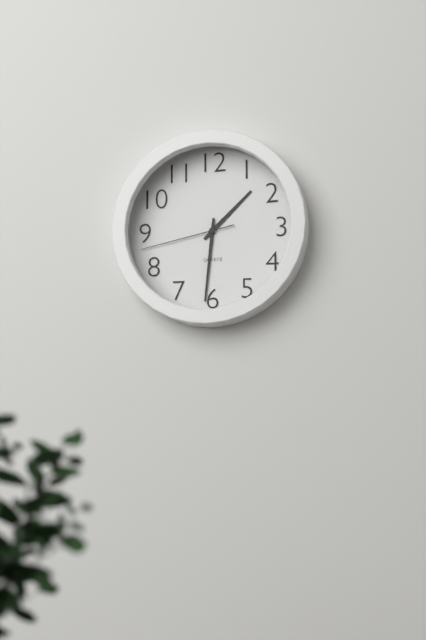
1:31:43
